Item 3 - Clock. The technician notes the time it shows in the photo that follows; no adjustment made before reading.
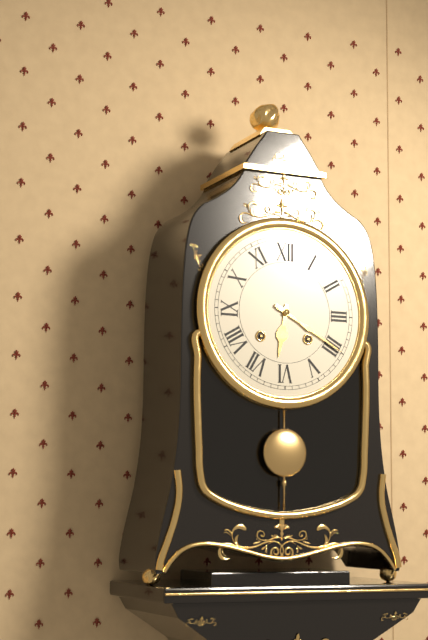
6:20
